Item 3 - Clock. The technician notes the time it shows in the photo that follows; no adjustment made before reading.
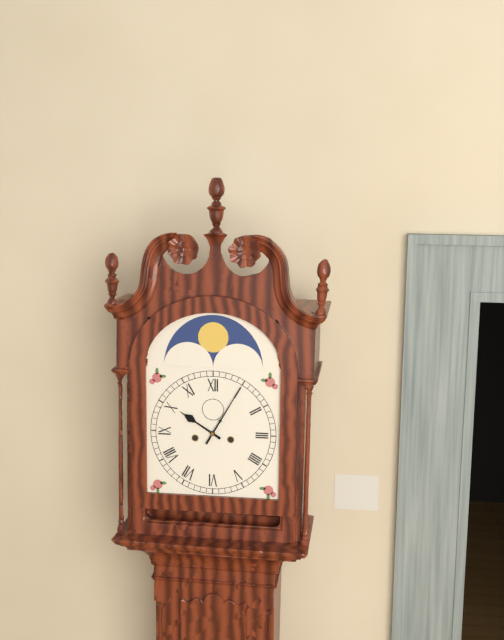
10:05
